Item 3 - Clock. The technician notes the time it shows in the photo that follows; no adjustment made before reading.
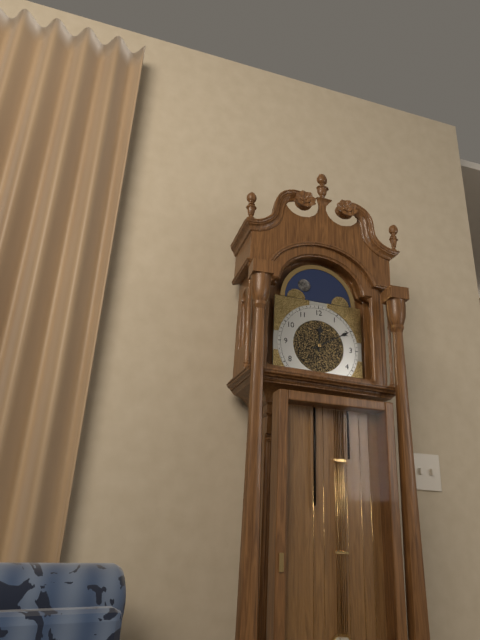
12:10
